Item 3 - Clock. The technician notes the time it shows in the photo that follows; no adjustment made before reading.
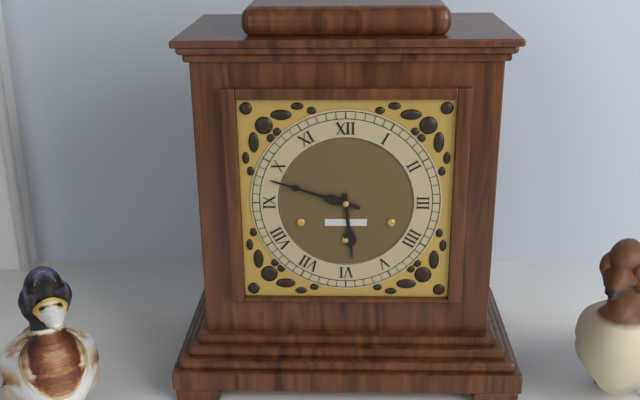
5:48
